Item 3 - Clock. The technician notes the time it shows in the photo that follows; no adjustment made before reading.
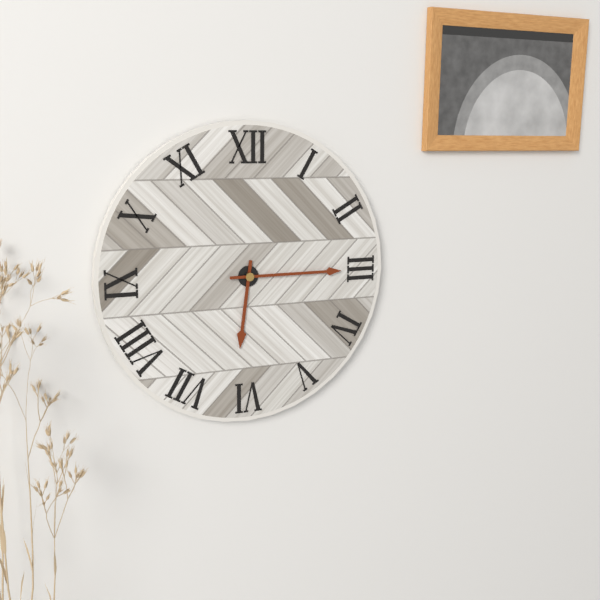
6:15
